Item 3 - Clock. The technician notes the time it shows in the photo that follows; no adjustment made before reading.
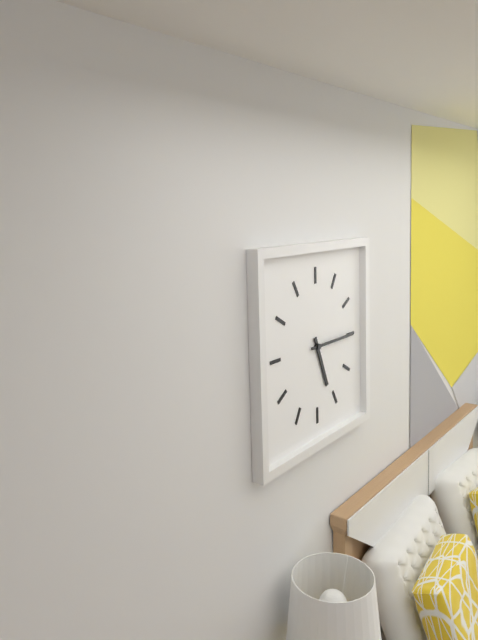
5:15
